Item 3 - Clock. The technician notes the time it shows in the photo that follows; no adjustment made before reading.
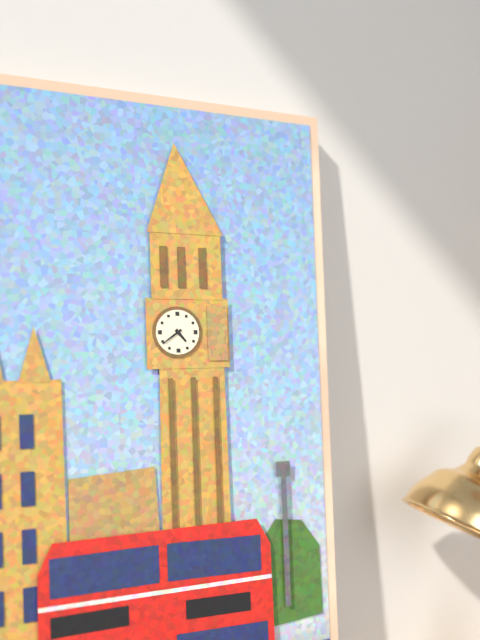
4:39
